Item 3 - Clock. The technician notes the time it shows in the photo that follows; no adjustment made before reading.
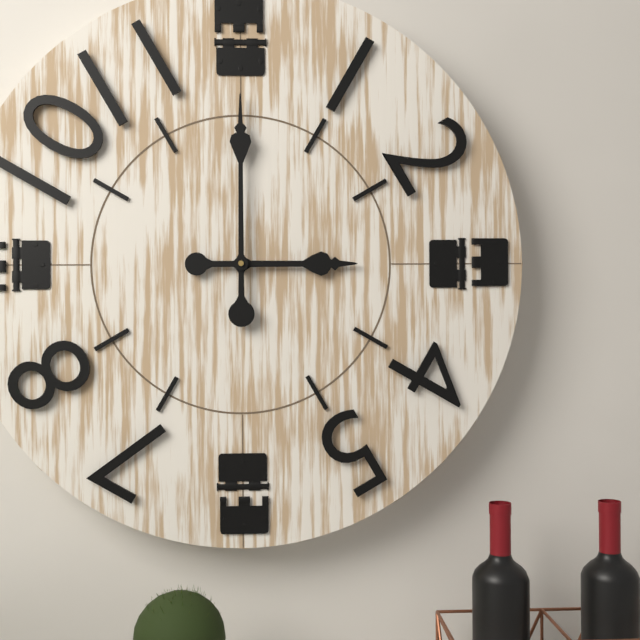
3:00
